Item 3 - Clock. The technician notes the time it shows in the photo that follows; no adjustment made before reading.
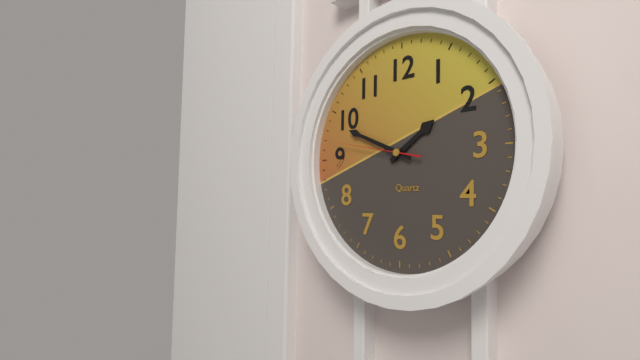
1:49:47
